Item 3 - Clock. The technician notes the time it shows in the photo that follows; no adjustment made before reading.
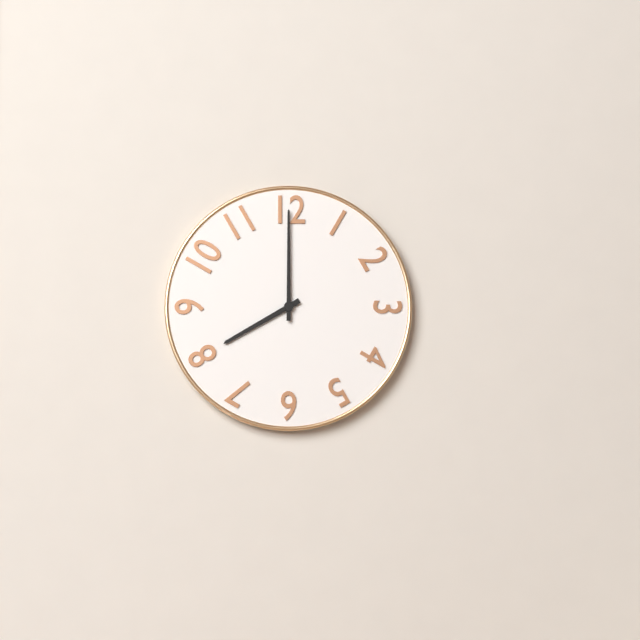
8:00
